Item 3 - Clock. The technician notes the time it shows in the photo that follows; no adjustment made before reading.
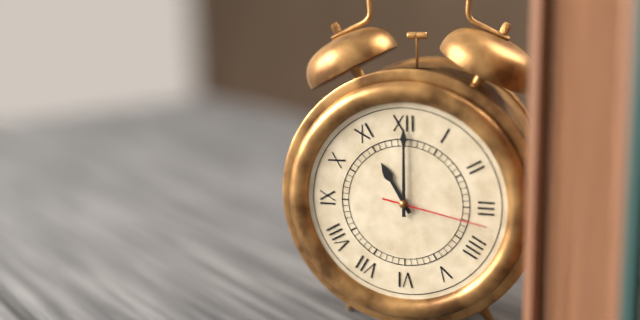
11:00:17
